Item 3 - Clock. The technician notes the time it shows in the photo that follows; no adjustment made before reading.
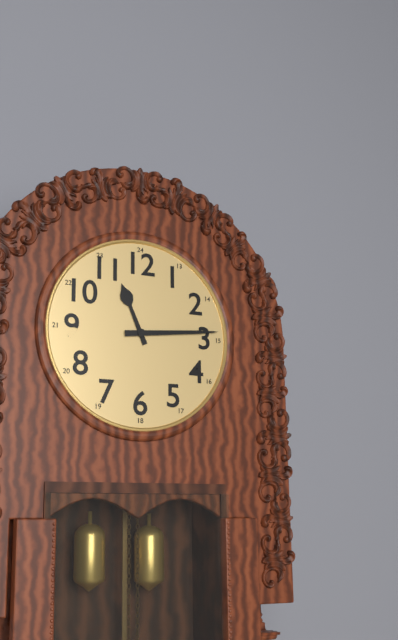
11:14
